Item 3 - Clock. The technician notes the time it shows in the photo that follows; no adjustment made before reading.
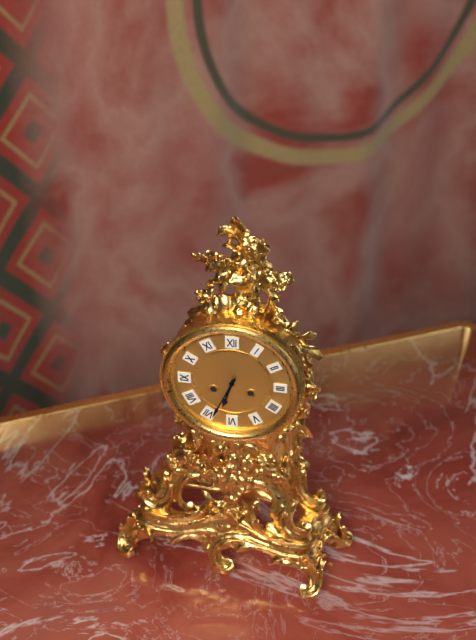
6:34
